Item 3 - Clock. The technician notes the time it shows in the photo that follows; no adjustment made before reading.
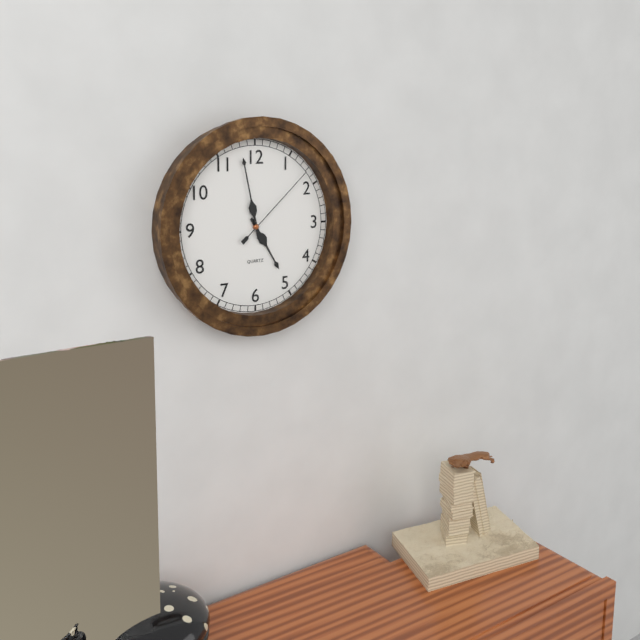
4:58:08
